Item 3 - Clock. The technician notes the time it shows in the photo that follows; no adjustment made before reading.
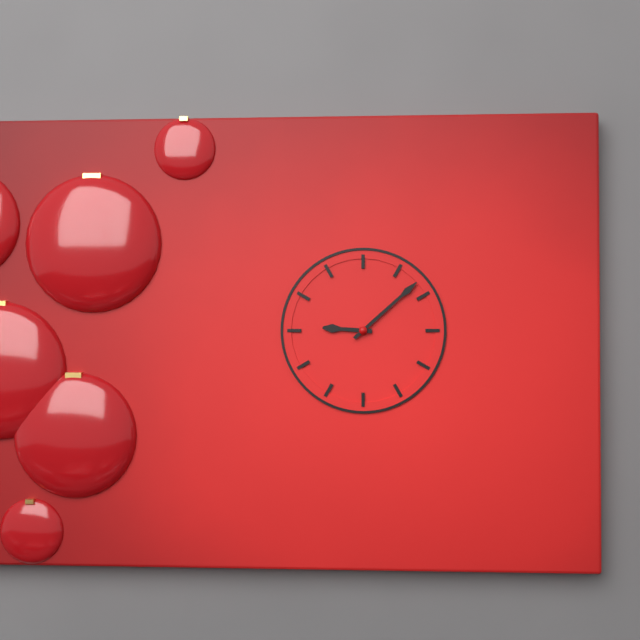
9:08
